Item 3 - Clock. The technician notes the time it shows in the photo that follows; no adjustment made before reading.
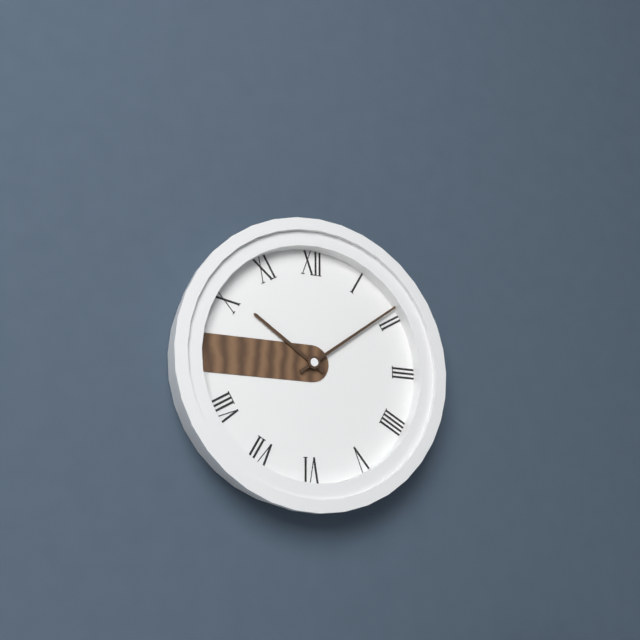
10:09
